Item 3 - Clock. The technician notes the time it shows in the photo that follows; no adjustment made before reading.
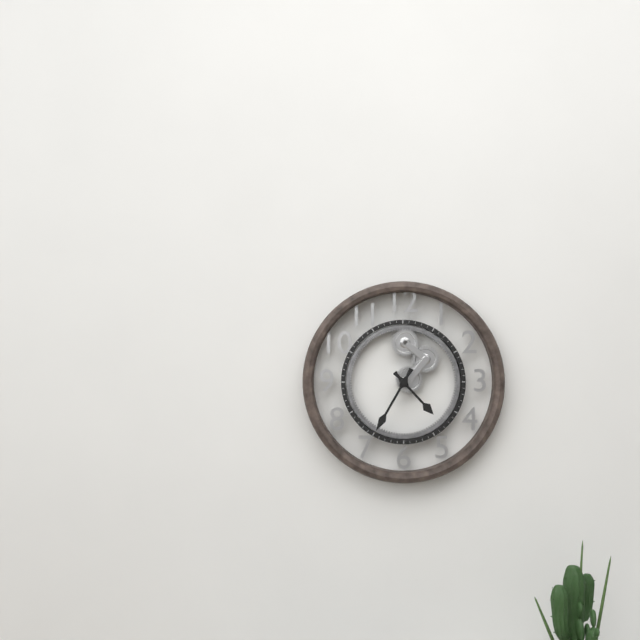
4:35
